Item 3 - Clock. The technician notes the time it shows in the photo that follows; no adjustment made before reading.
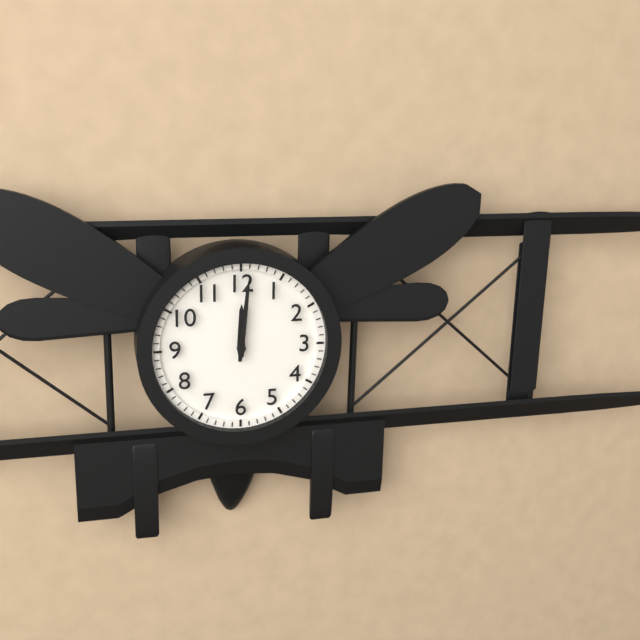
12:01
